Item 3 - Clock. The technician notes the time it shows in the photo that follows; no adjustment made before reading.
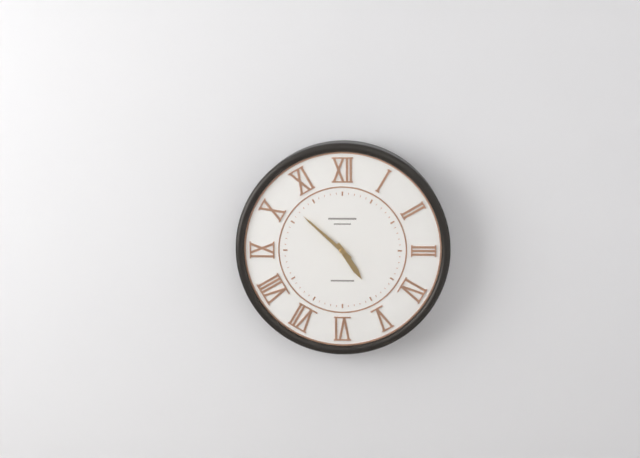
4:52
